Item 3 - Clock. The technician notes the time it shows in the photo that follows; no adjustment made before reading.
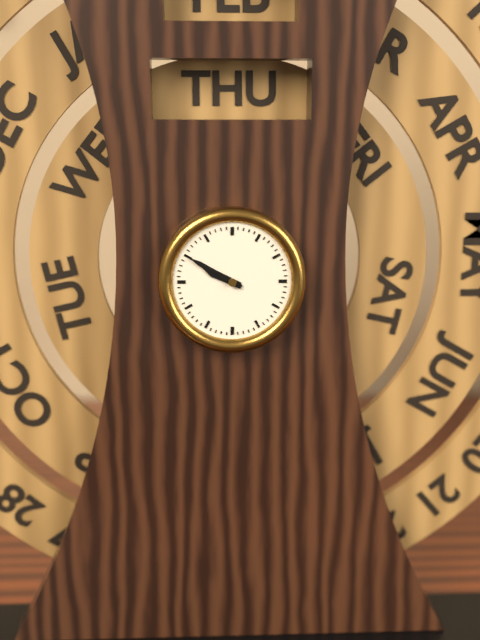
9:50
